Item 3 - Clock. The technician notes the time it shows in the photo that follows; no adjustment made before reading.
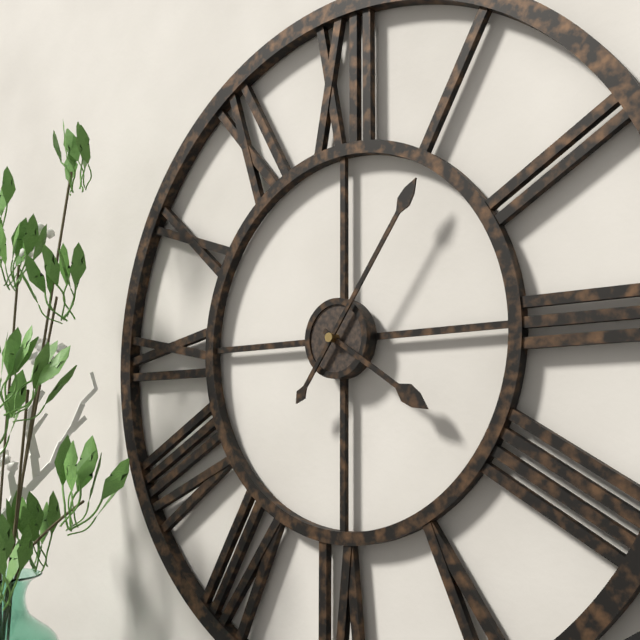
4:06
